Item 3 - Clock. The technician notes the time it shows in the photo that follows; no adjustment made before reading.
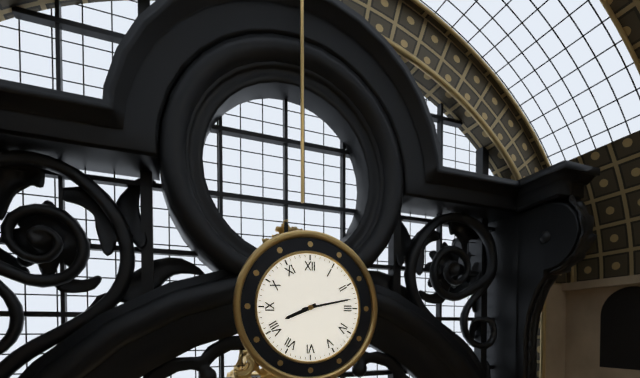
8:13
